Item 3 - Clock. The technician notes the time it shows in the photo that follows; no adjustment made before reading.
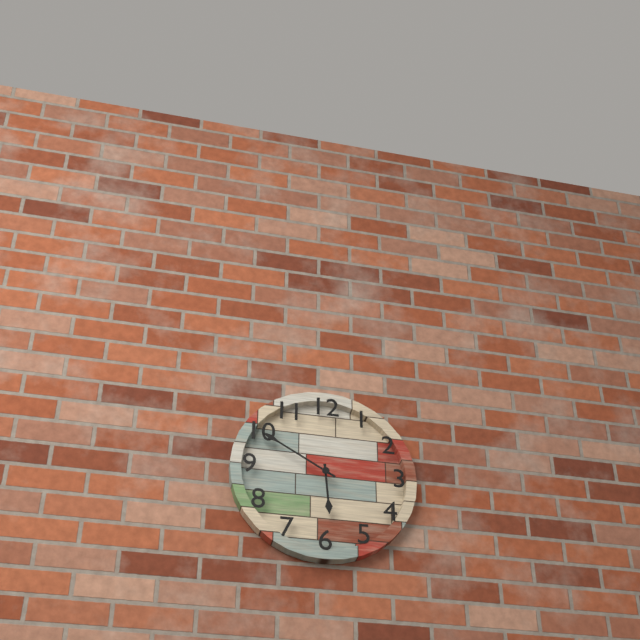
5:50
